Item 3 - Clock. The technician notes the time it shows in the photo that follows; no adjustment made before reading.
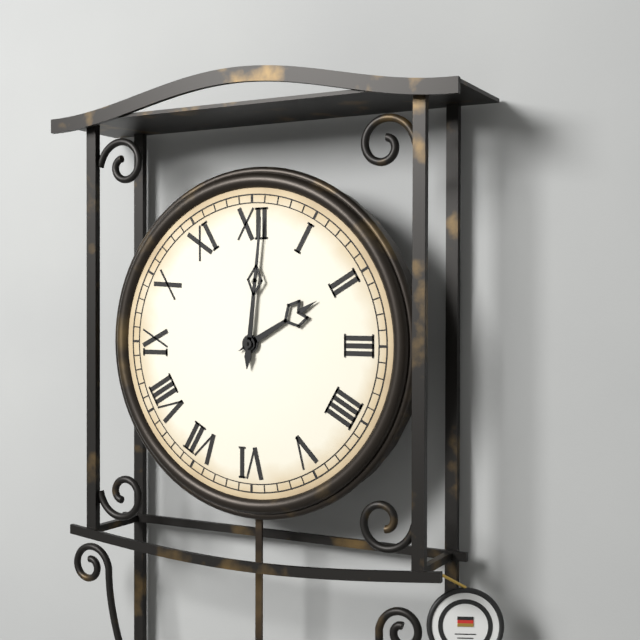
2:01
